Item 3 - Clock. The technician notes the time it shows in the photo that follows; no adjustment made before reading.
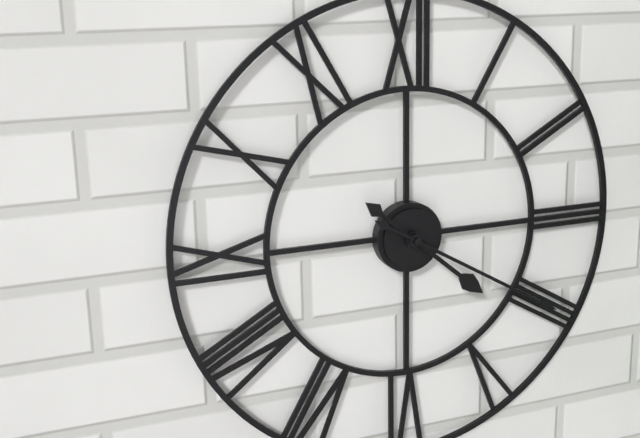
4:20
